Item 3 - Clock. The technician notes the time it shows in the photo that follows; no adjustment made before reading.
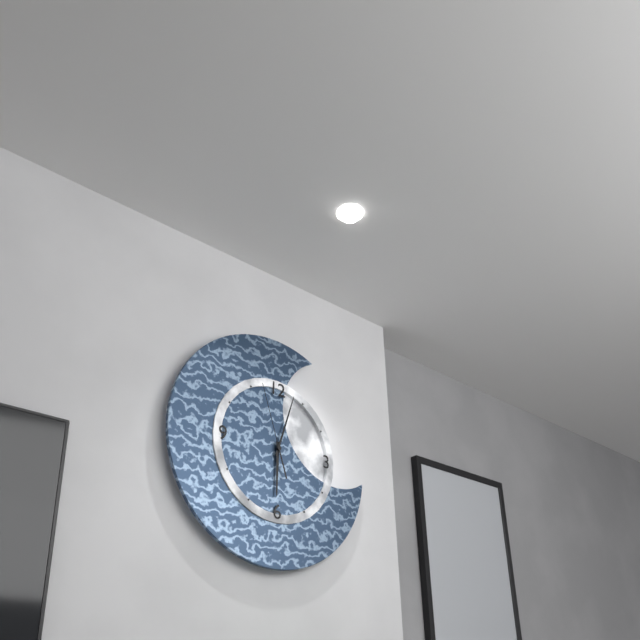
6:03:57
